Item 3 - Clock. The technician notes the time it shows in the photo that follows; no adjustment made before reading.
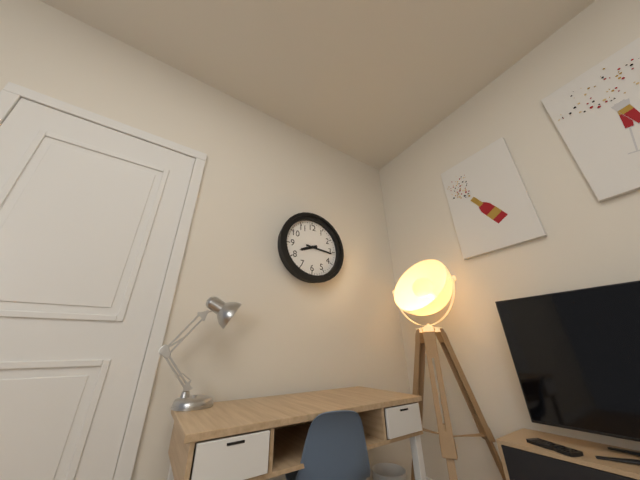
8:16
